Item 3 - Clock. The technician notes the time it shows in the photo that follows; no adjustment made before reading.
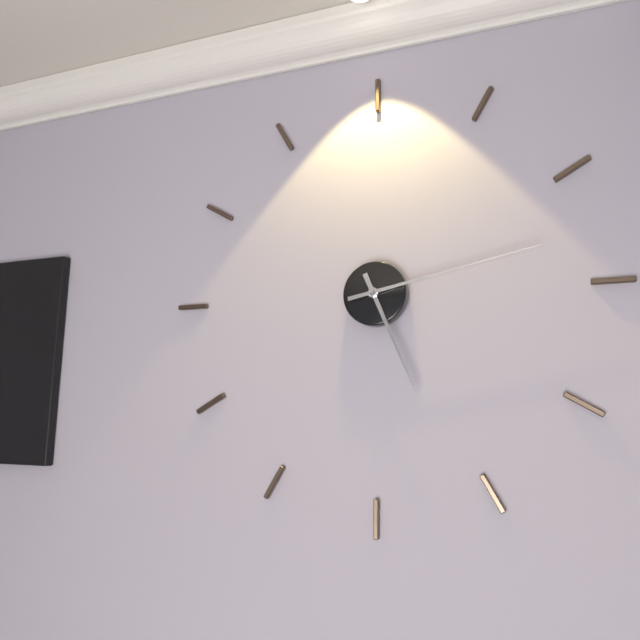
5:13
